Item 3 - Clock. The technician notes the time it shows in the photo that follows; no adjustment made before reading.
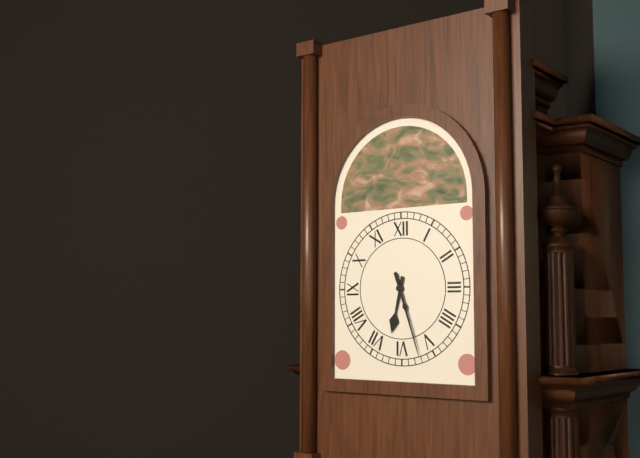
6:27
